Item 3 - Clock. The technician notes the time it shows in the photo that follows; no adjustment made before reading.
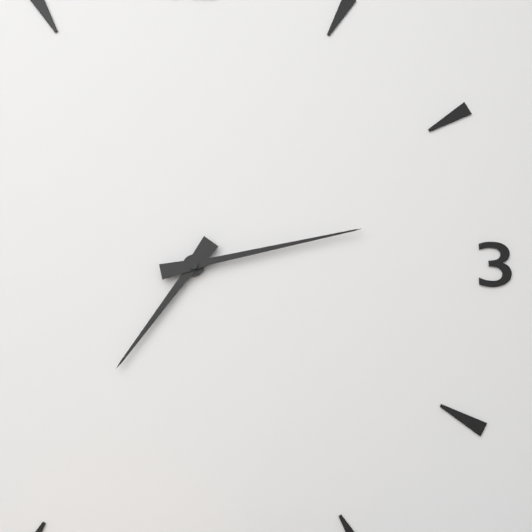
7:13
